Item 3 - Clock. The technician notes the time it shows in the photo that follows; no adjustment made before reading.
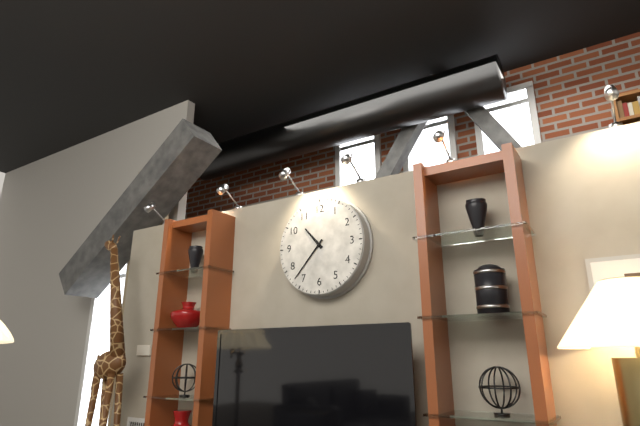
10:37
